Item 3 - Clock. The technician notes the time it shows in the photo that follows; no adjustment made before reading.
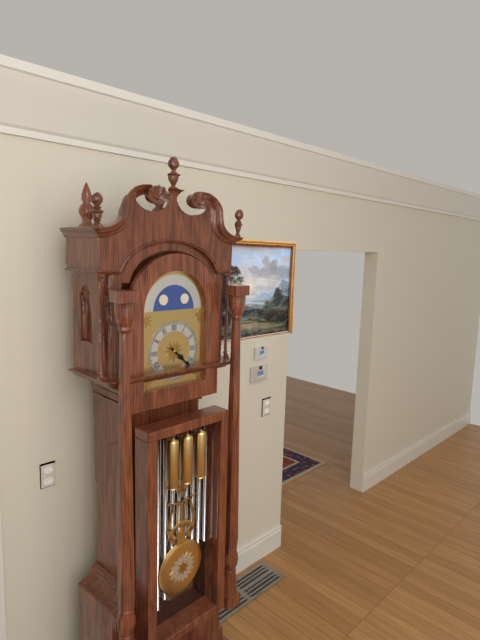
4:22
